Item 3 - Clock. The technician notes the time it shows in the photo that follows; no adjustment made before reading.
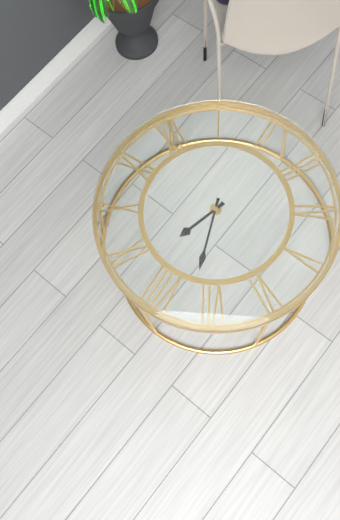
8:37
